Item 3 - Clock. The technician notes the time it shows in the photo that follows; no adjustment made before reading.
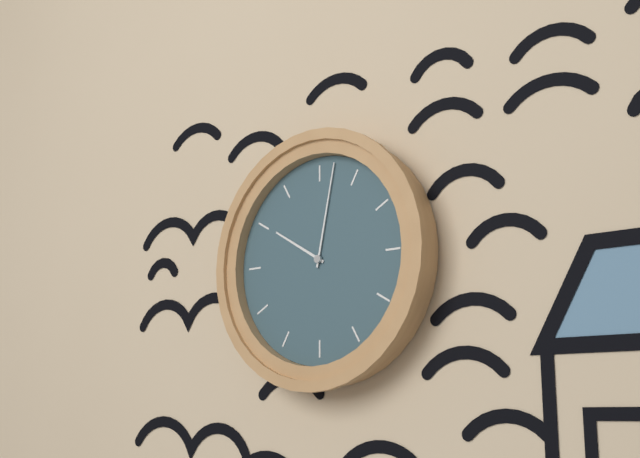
10:02
